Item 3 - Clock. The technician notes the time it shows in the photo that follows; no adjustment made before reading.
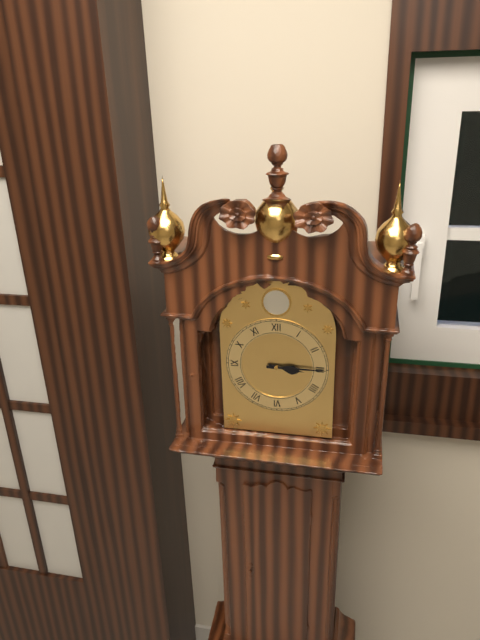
3:15
